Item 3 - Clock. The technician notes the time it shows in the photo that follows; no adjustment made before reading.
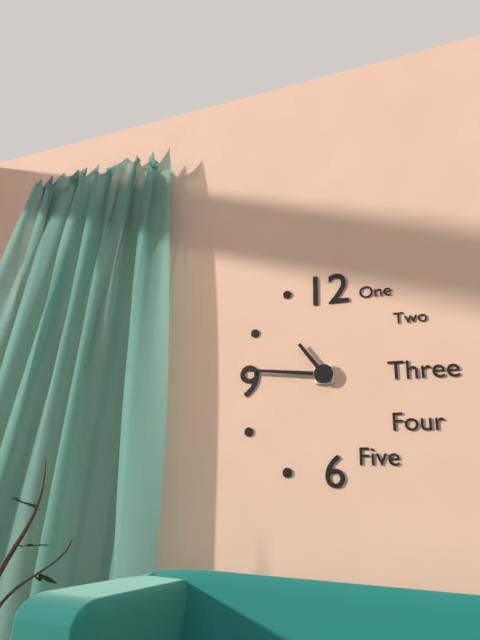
10:46
